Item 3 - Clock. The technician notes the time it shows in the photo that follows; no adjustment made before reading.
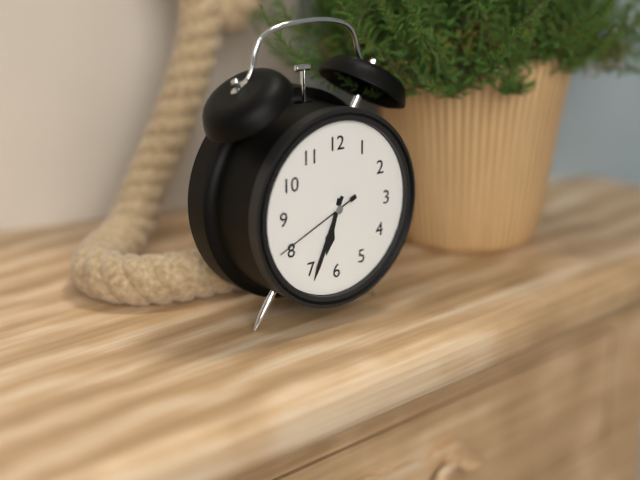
6:34:41
